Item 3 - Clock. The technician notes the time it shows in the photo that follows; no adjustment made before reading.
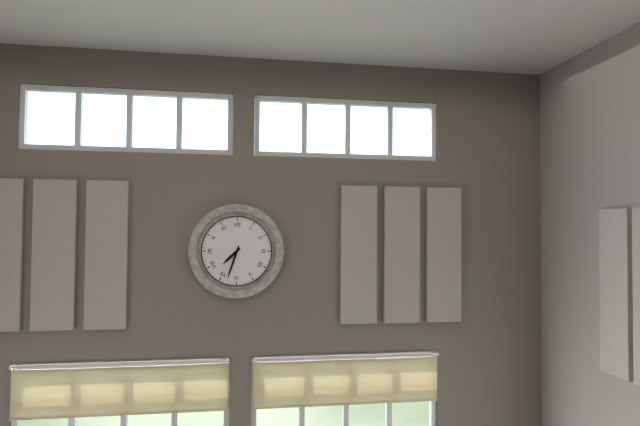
7:33
